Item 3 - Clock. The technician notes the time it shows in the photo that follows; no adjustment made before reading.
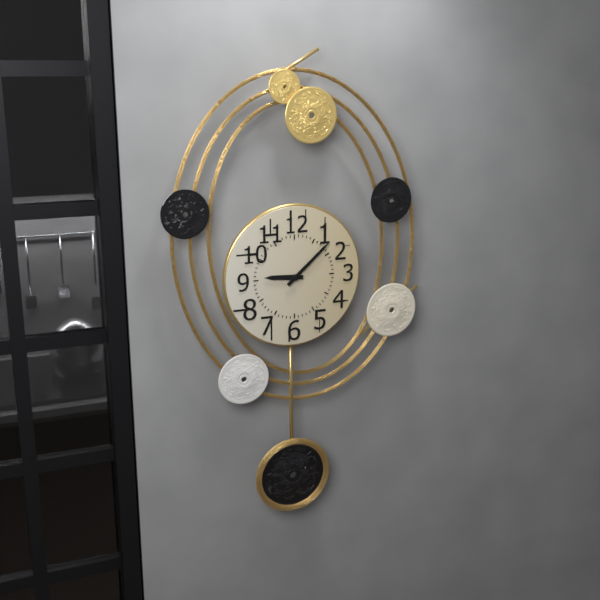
9:08
